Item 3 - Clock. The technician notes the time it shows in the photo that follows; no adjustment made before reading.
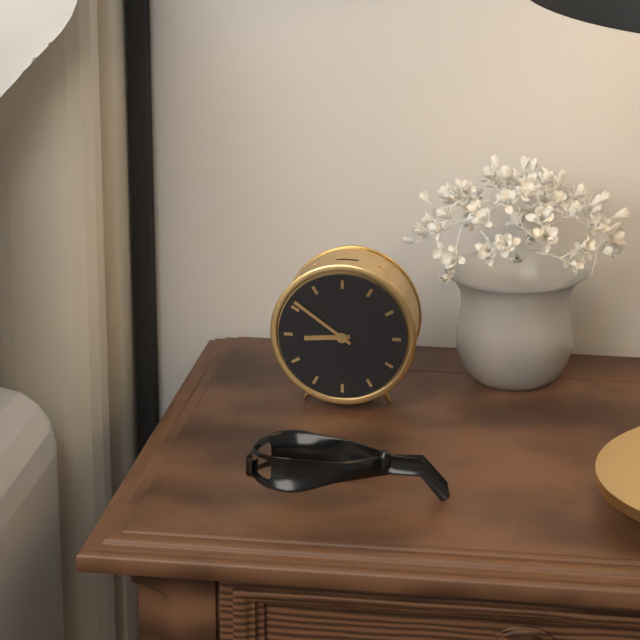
8:51
